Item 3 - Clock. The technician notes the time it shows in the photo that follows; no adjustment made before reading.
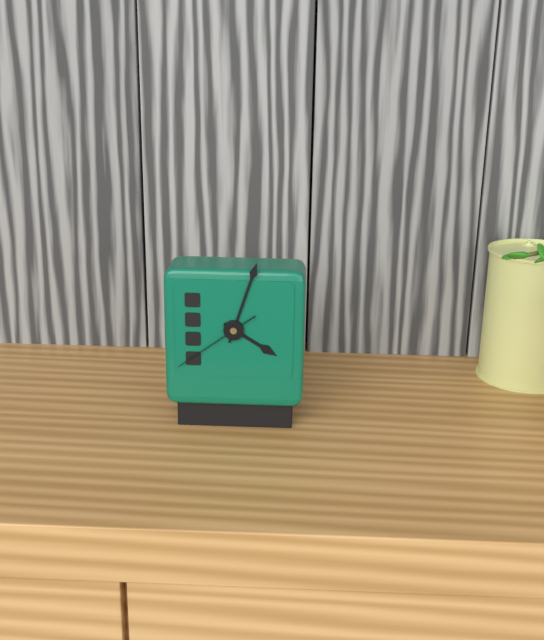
4:03:39
